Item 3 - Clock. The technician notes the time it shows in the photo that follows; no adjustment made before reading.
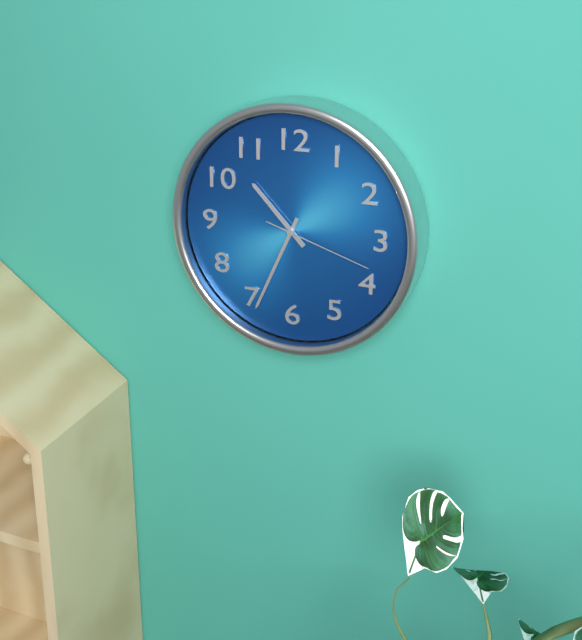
10:34:18
